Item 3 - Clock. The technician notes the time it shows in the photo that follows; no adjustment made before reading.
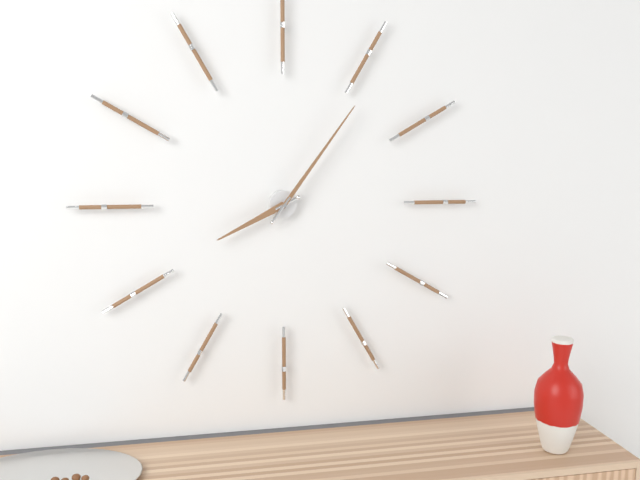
8:06
